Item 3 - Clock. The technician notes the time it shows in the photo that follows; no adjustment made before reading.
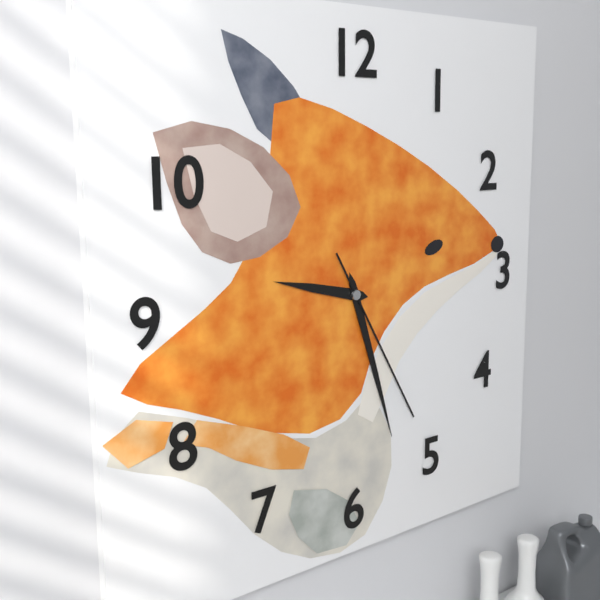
9:27:25
